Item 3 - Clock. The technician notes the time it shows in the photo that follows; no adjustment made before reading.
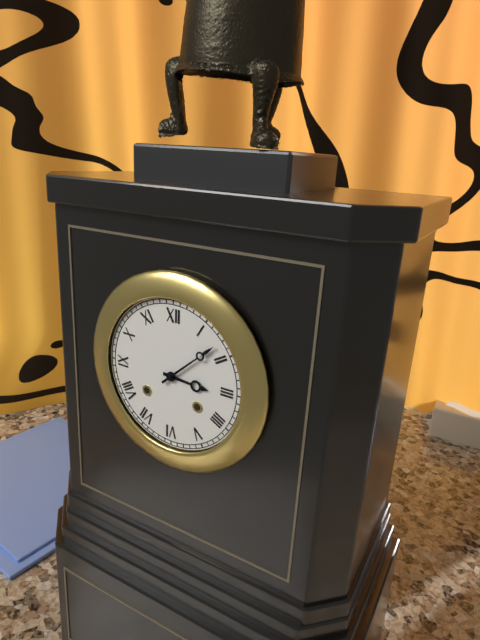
3:08
